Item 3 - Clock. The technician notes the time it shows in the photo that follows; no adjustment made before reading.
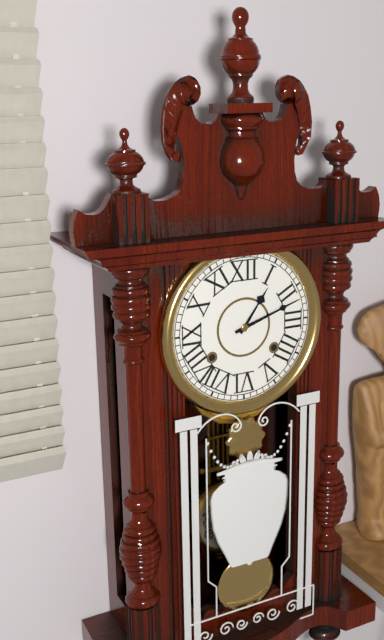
1:12
